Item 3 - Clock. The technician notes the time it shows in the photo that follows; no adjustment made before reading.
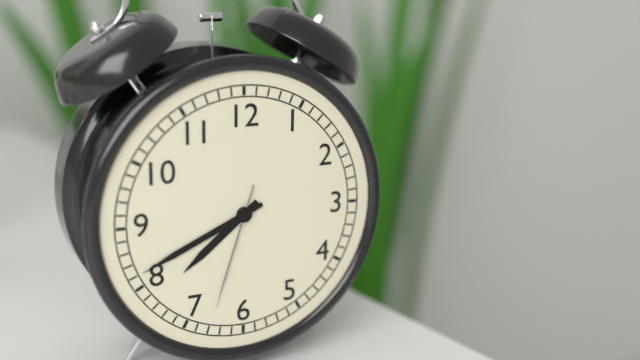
7:41:33
